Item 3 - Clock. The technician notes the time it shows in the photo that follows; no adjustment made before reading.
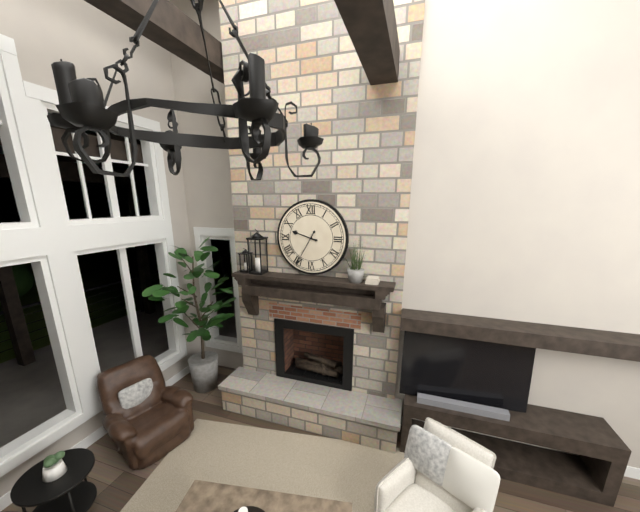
9:35
